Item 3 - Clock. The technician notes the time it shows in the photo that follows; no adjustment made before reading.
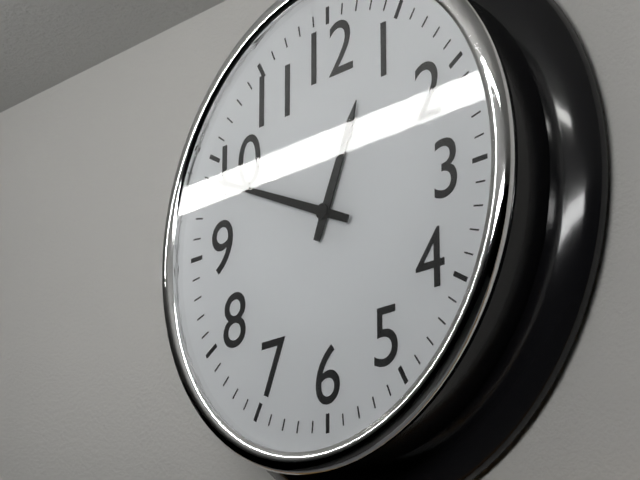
12:49
